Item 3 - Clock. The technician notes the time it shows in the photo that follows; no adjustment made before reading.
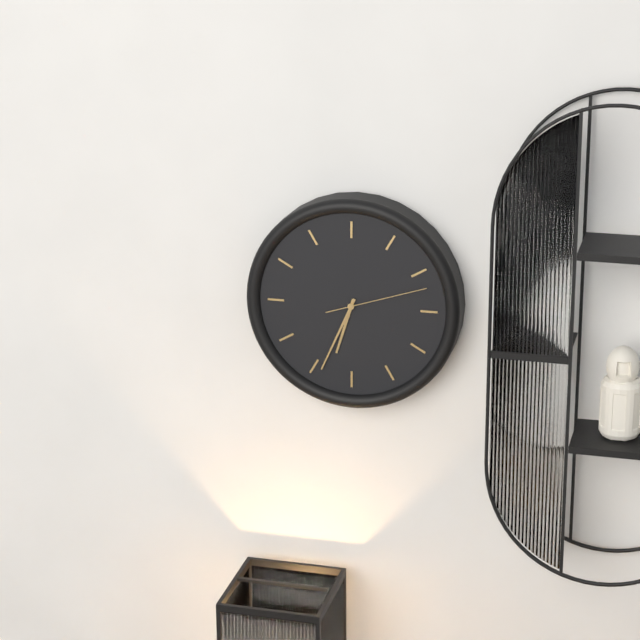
6:34:12
